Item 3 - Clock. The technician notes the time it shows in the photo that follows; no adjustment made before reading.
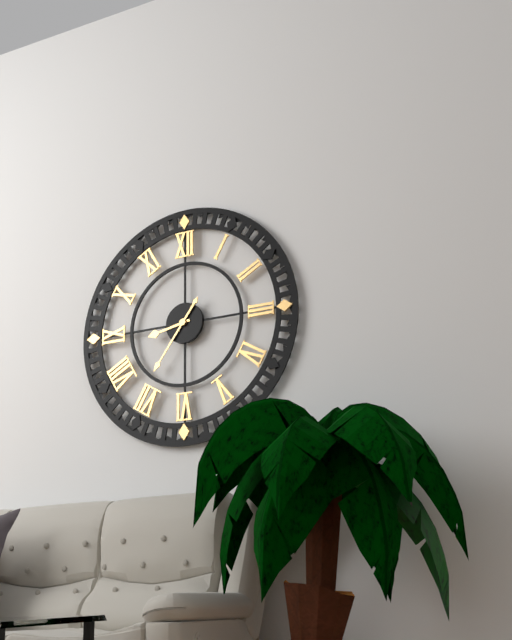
8:36
